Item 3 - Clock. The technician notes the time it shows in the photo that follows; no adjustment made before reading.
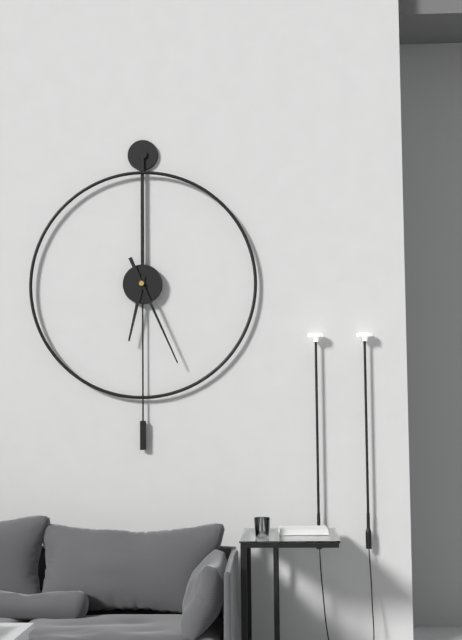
6:26
